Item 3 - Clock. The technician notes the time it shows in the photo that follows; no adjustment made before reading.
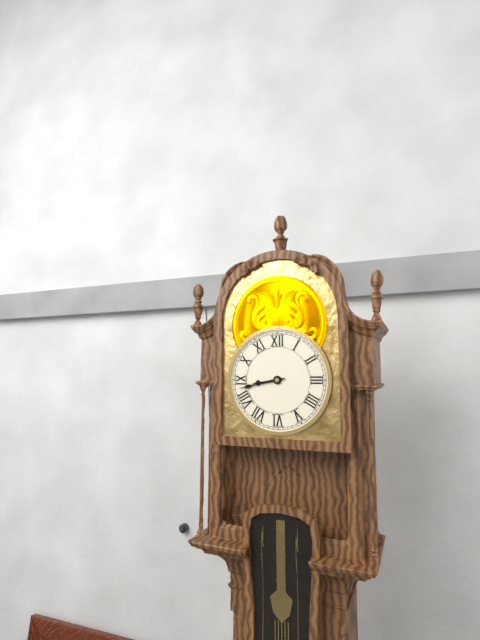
8:43
